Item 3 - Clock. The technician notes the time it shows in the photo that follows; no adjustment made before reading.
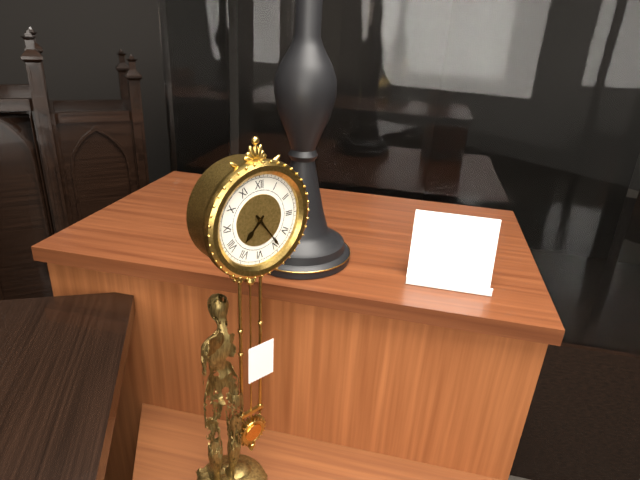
7:24
